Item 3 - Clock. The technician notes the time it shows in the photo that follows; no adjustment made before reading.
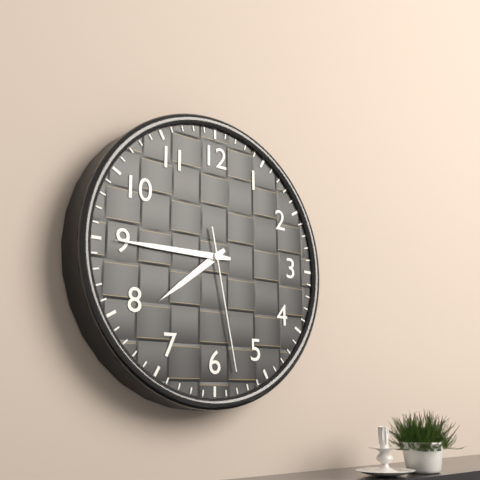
7:45:28
